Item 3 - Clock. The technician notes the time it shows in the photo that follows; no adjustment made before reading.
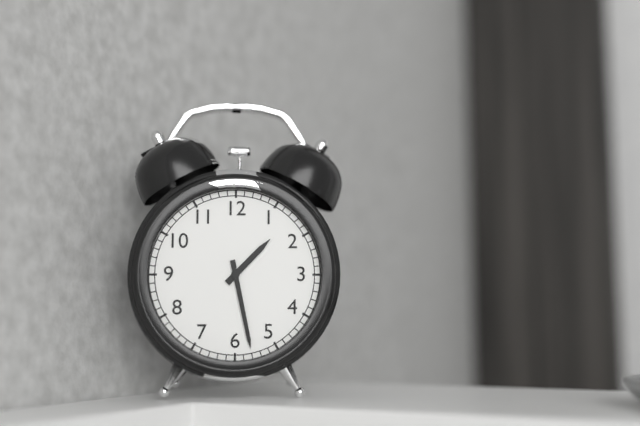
1:28
